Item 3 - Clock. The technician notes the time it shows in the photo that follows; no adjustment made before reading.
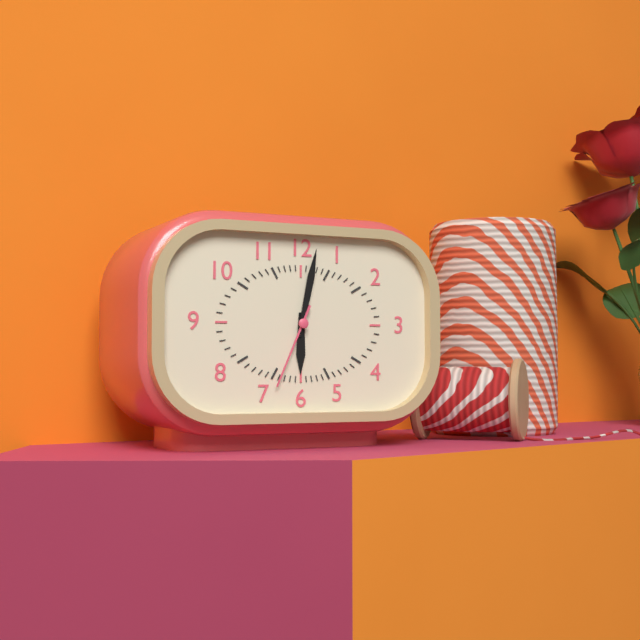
6:02:34
